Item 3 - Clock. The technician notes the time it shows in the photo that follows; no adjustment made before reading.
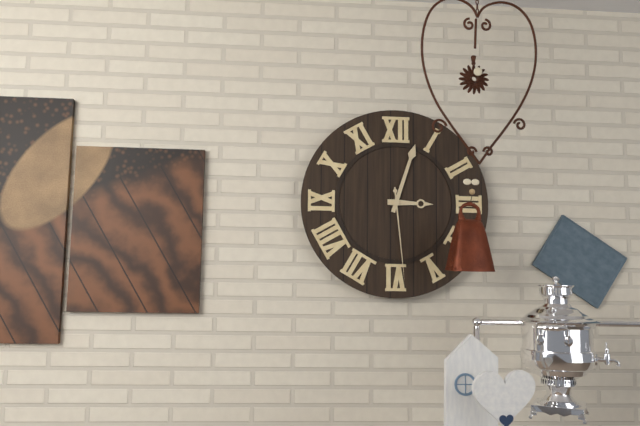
3:03:29
